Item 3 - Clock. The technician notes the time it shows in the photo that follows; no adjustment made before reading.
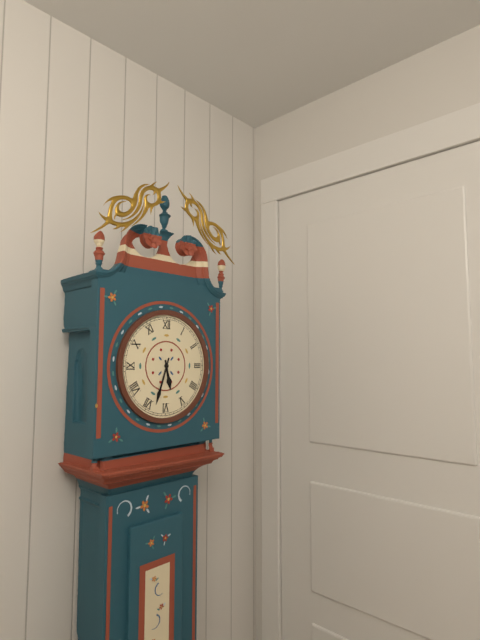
5:33
